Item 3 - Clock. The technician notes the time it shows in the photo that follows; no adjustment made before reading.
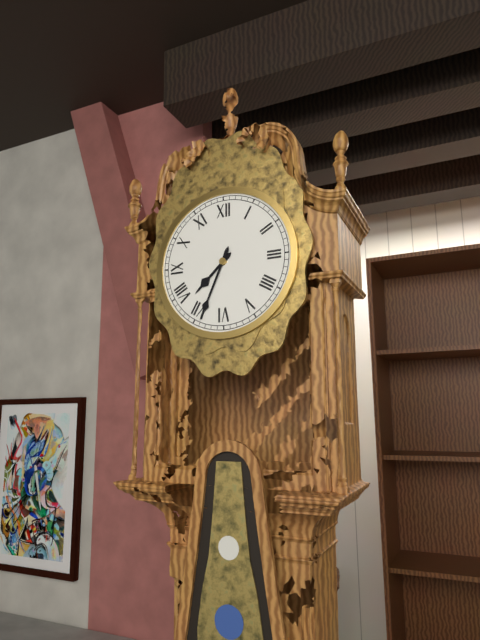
7:34
